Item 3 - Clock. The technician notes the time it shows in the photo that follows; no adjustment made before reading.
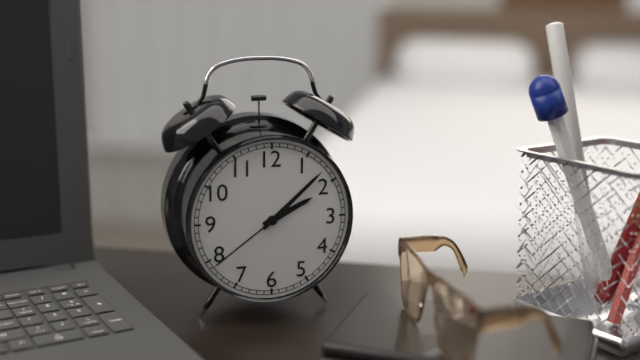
2:08:39
